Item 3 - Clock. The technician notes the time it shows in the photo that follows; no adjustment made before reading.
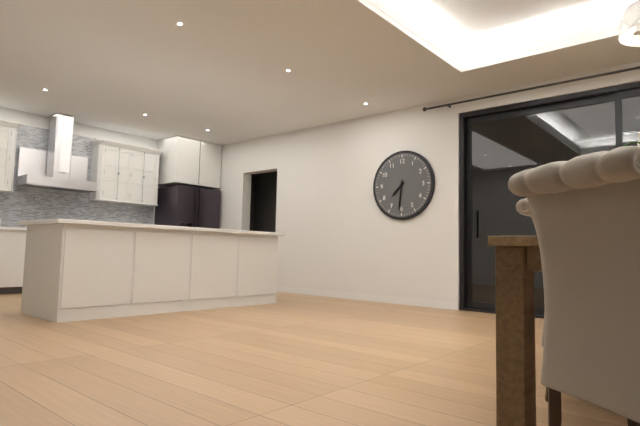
7:31
